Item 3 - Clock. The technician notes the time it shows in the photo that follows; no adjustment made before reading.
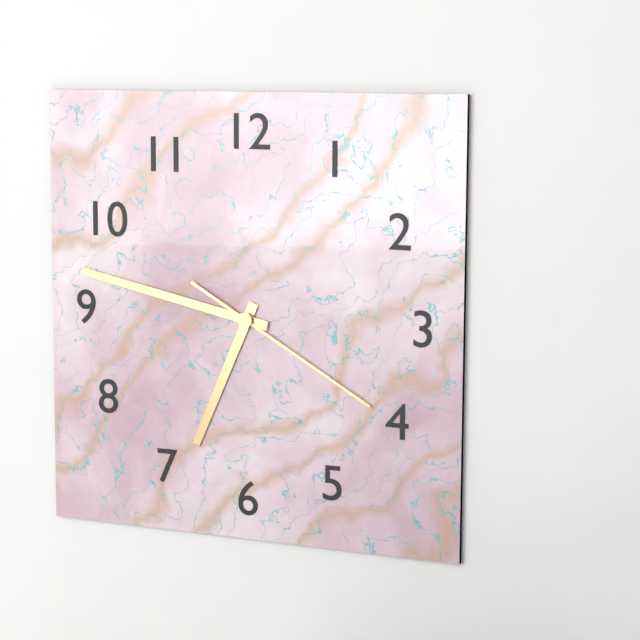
6:47:20
